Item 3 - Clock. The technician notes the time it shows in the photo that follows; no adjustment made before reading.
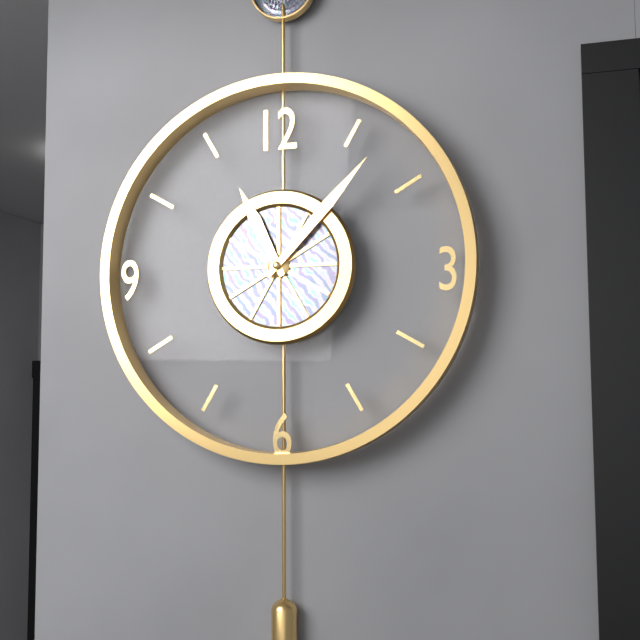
11:07
